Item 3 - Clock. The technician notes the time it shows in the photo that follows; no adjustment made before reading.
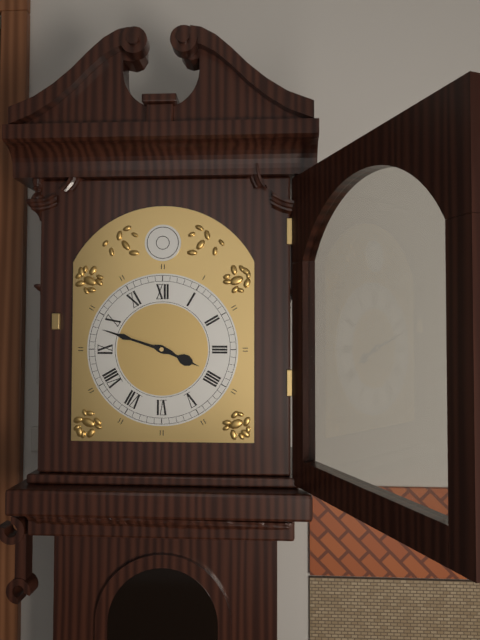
3:48
